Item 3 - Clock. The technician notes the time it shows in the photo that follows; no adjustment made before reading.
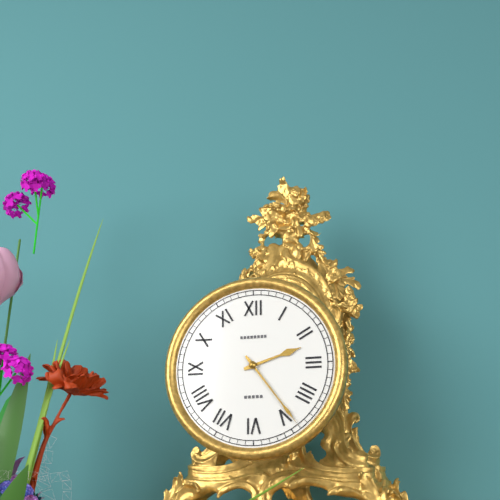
2:24
